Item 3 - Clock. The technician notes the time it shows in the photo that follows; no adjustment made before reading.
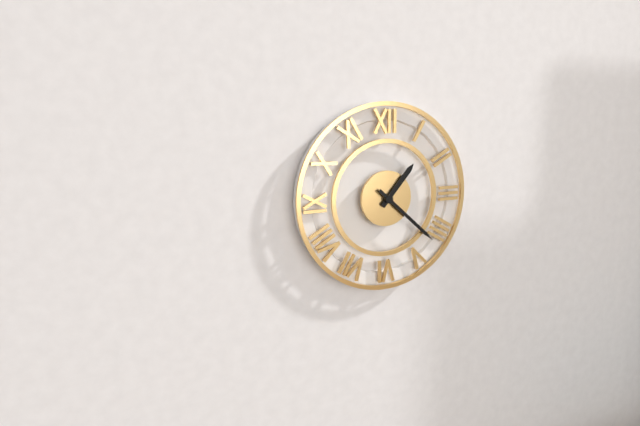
1:22
